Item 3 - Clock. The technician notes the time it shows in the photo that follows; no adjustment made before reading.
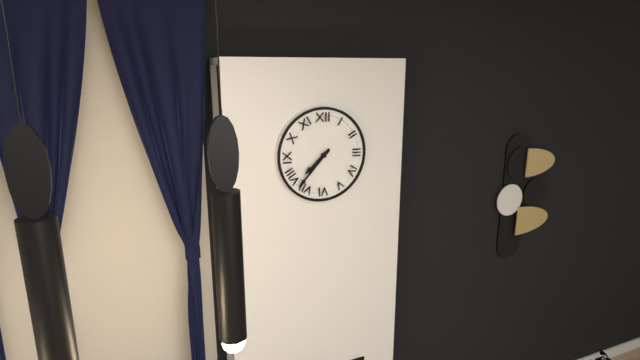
7:37
